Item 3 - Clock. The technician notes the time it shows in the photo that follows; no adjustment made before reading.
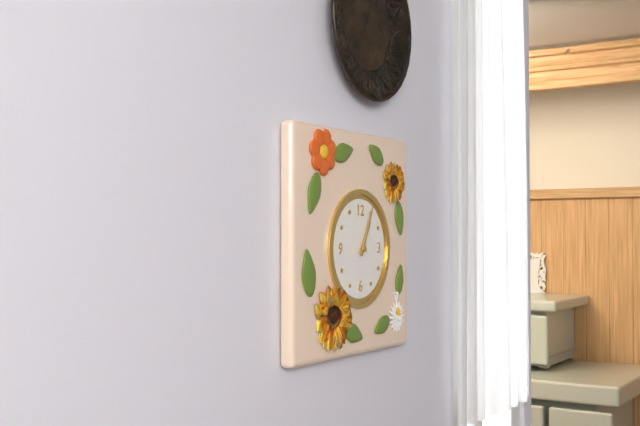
1:04
